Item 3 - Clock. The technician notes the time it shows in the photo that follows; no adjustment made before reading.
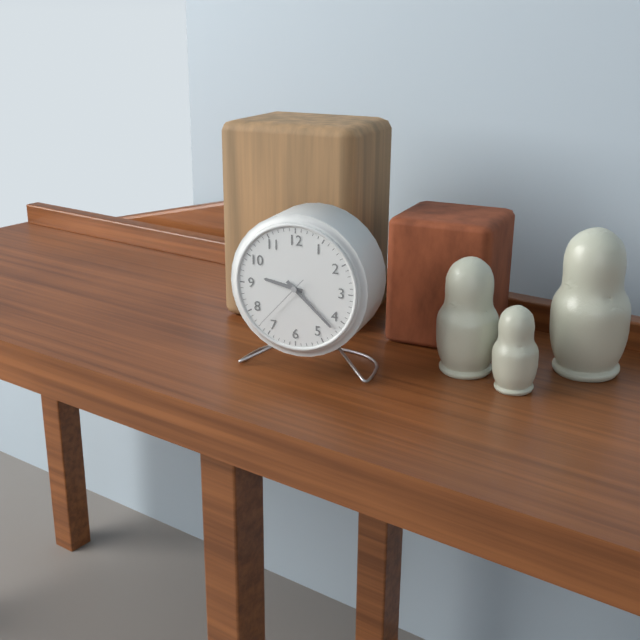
9:22:37
